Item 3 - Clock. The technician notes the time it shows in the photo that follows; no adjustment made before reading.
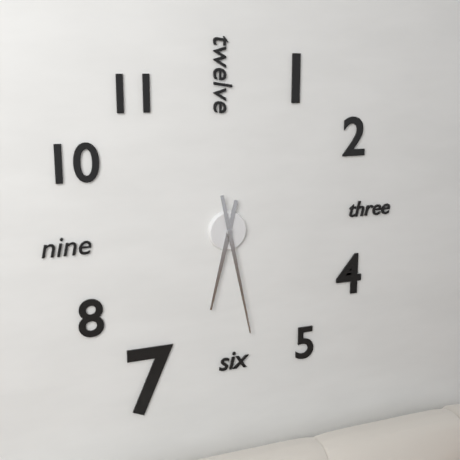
6:28
